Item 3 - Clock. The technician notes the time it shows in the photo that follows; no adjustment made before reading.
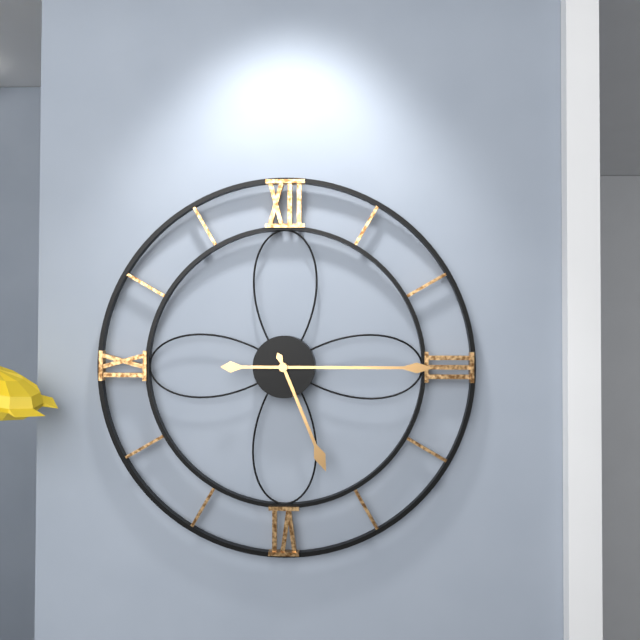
5:15
